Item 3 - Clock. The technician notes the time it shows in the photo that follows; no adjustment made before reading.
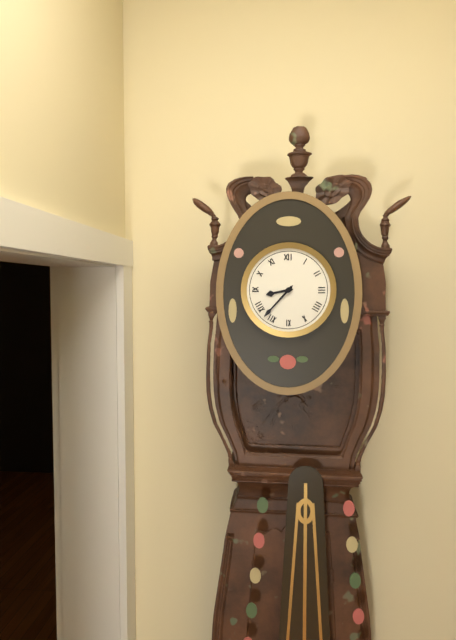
8:37
